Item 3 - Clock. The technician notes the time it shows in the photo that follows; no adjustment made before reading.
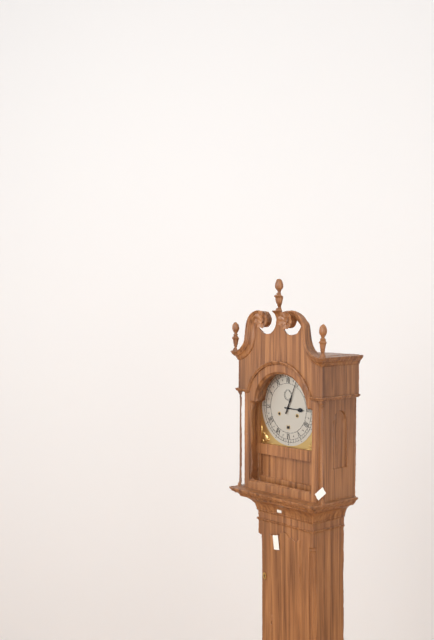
3:04
